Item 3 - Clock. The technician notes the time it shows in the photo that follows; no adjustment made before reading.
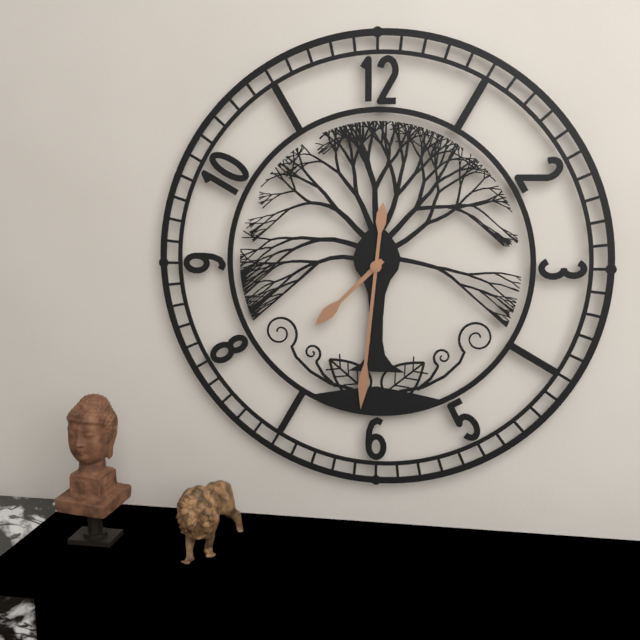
7:31
